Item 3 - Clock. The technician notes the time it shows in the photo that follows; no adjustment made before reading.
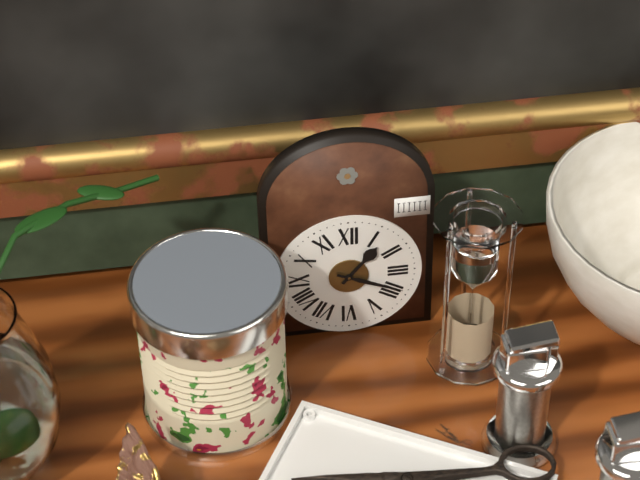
1:19
